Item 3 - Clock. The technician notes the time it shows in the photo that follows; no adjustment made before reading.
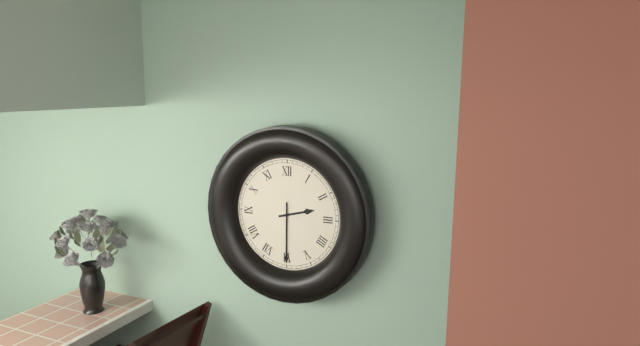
2:30
